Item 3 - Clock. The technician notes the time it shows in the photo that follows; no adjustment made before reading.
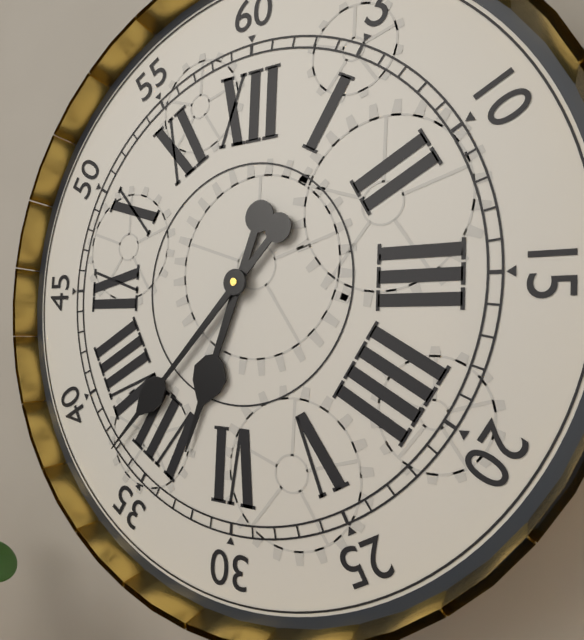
6:37
